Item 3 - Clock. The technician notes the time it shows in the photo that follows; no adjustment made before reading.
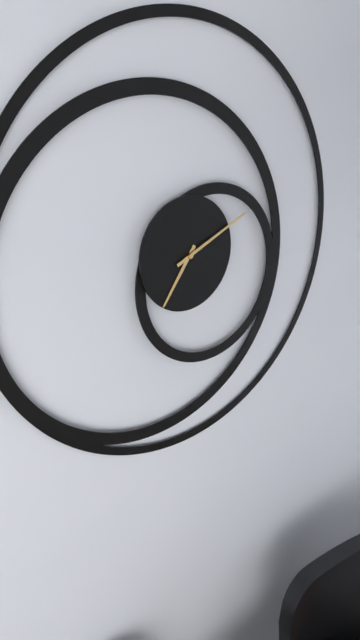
7:11
